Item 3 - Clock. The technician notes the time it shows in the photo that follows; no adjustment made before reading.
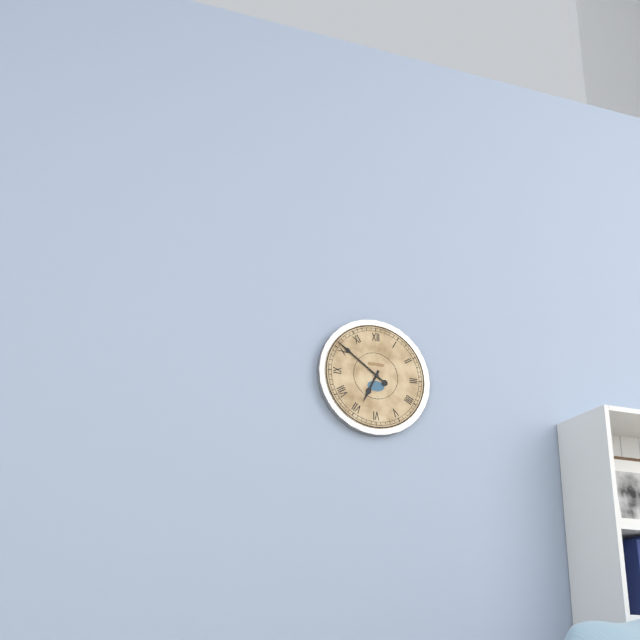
6:51
